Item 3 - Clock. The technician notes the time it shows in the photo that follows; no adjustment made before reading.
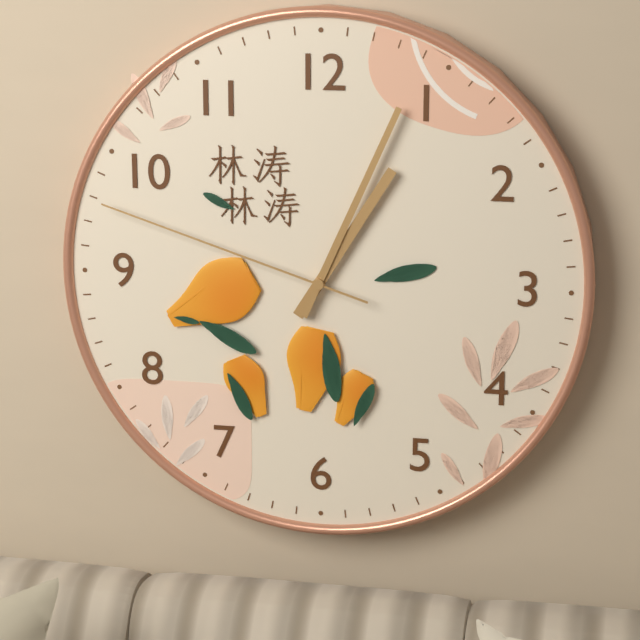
1:04:48
